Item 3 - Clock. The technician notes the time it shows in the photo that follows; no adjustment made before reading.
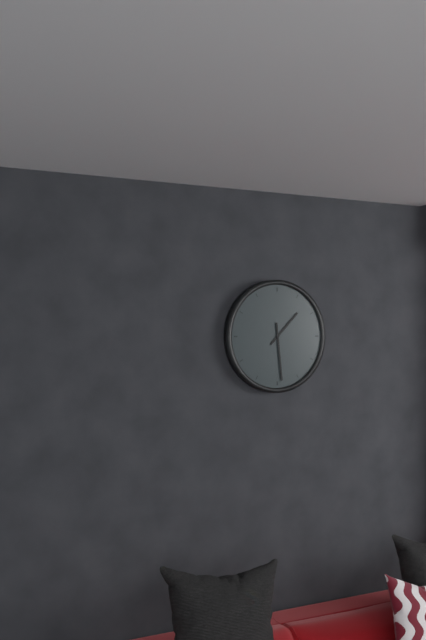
1:29
